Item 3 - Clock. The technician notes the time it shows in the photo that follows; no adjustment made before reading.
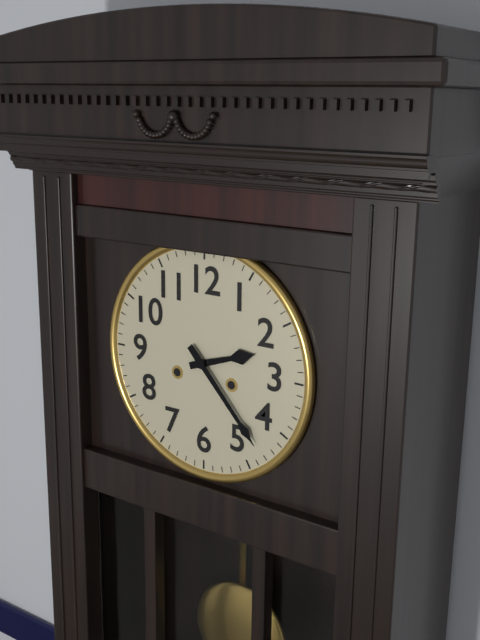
2:23
